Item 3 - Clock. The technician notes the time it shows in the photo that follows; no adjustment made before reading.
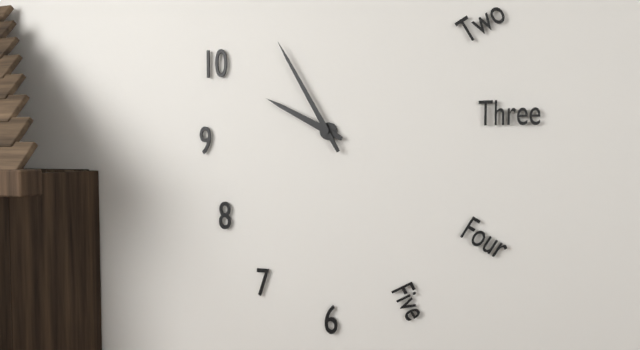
9:55
